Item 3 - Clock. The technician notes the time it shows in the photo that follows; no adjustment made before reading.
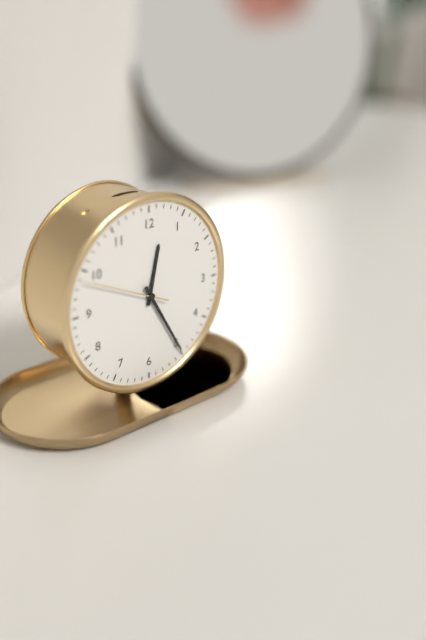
12:25:49
